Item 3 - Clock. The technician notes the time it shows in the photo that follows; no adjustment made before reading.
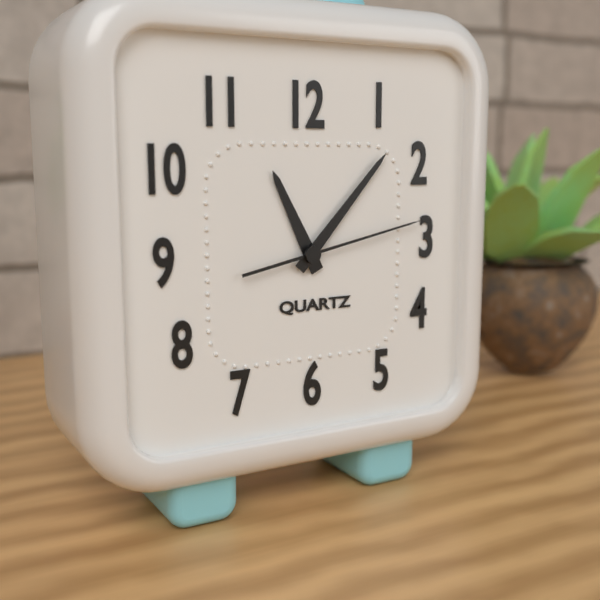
11:07:13
